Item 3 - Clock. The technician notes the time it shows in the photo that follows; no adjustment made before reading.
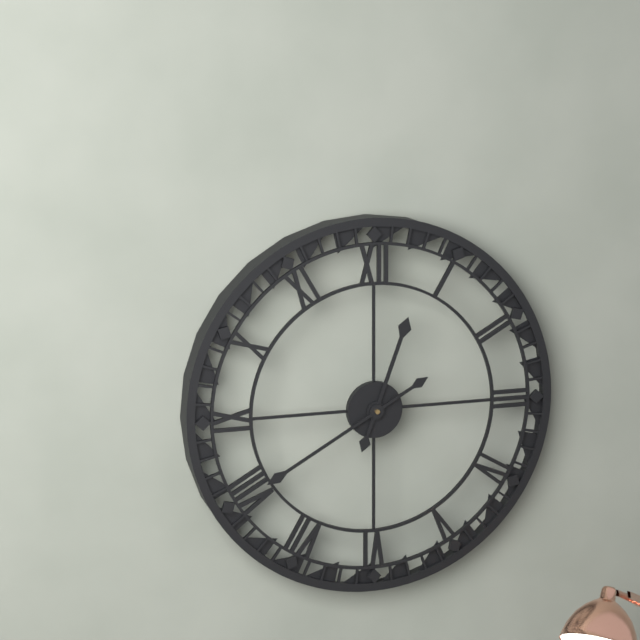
12:40
